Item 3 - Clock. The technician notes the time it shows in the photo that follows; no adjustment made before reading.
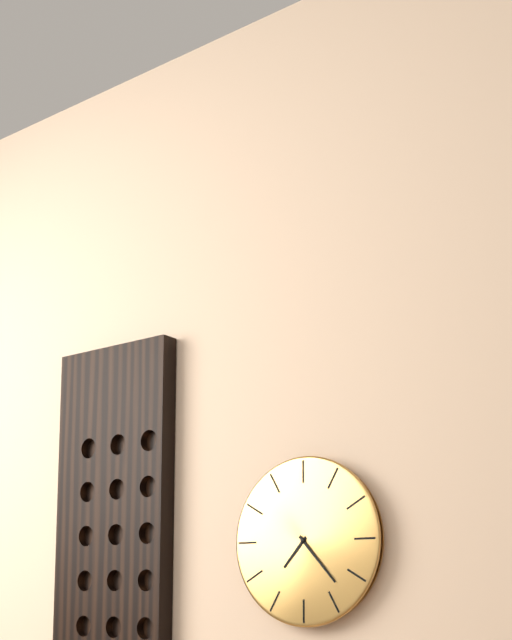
7:23
